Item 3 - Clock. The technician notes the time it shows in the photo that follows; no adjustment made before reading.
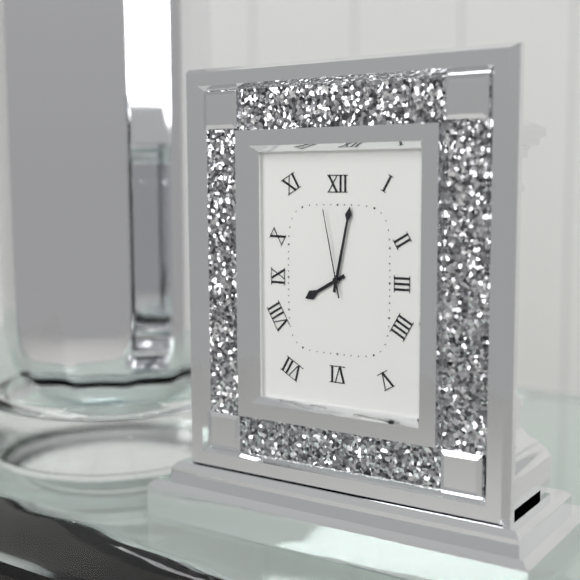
8:02:58
